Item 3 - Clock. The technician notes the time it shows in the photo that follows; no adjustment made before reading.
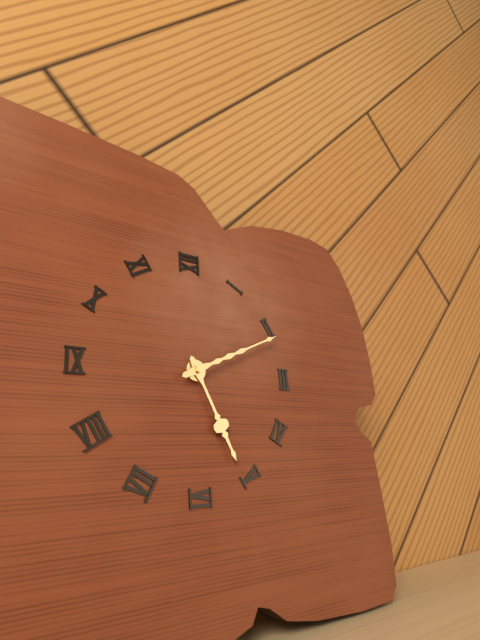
5:11
